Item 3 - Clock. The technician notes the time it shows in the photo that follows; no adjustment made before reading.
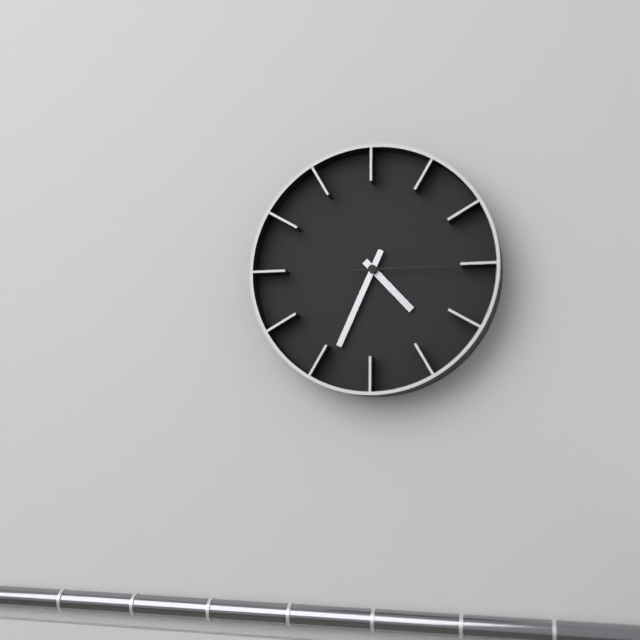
4:34:15
